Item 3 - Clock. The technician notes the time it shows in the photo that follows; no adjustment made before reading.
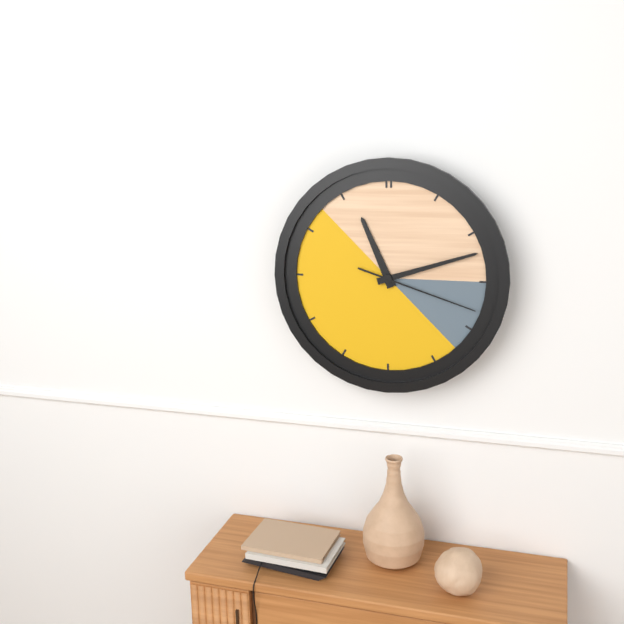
11:12:18
